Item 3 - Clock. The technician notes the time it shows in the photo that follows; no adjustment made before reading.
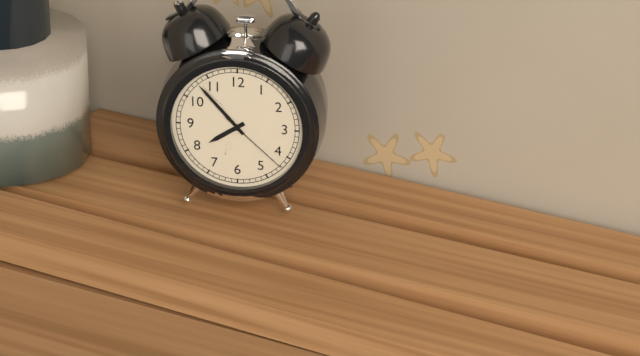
7:53:22
